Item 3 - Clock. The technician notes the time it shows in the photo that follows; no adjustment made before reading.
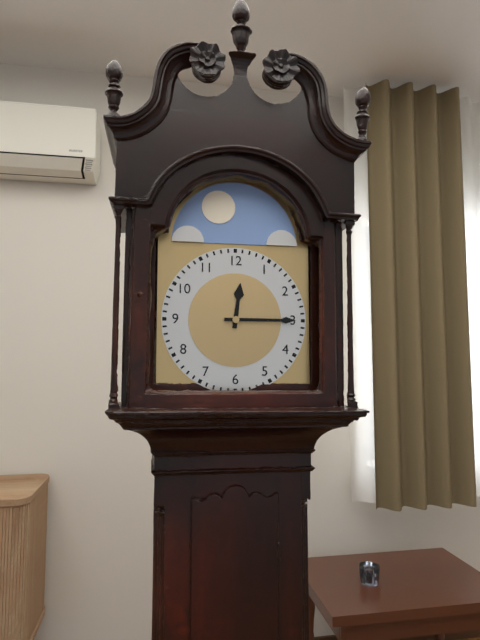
12:15
